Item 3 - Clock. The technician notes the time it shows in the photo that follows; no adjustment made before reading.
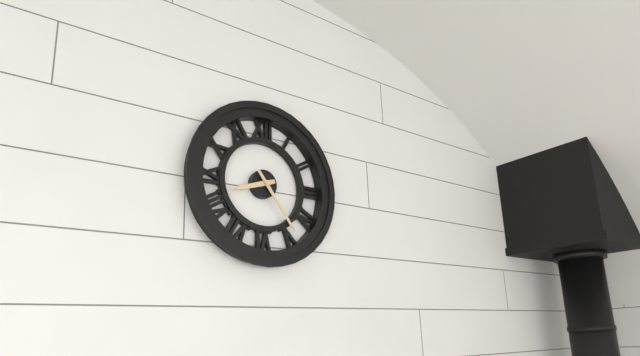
8:24
